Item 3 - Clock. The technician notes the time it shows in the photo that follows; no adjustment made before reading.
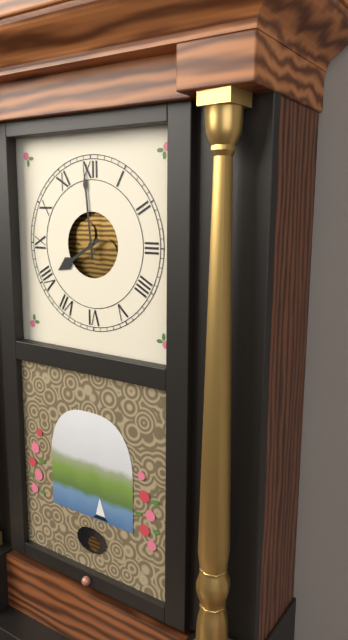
7:59
